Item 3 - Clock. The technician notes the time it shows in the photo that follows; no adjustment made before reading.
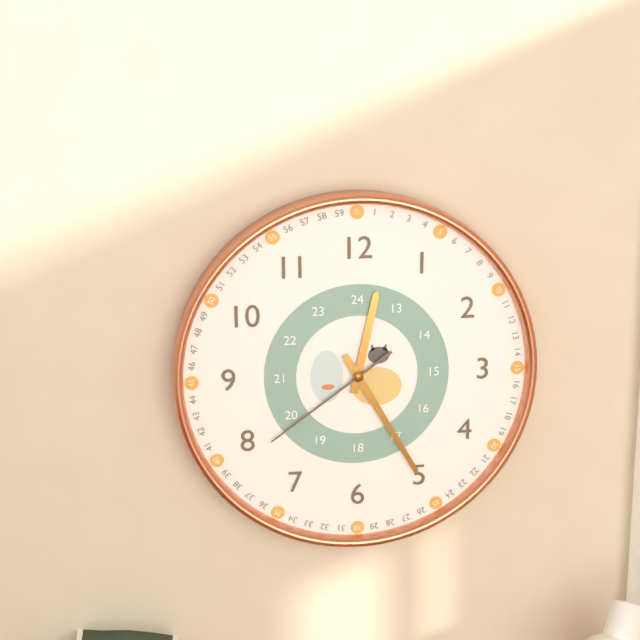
12:25:39
